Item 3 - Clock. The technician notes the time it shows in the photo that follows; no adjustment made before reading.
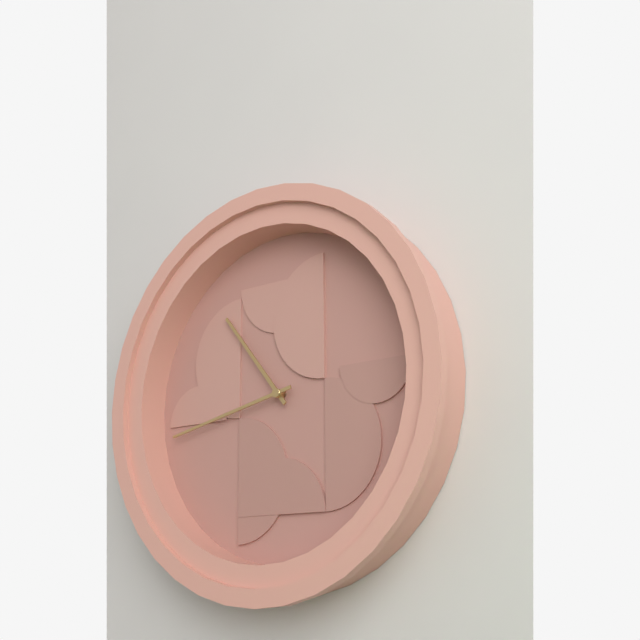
10:43
